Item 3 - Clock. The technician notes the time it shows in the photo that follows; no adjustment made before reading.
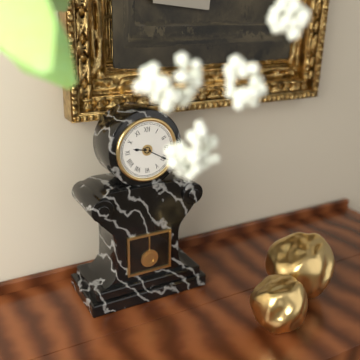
9:20
